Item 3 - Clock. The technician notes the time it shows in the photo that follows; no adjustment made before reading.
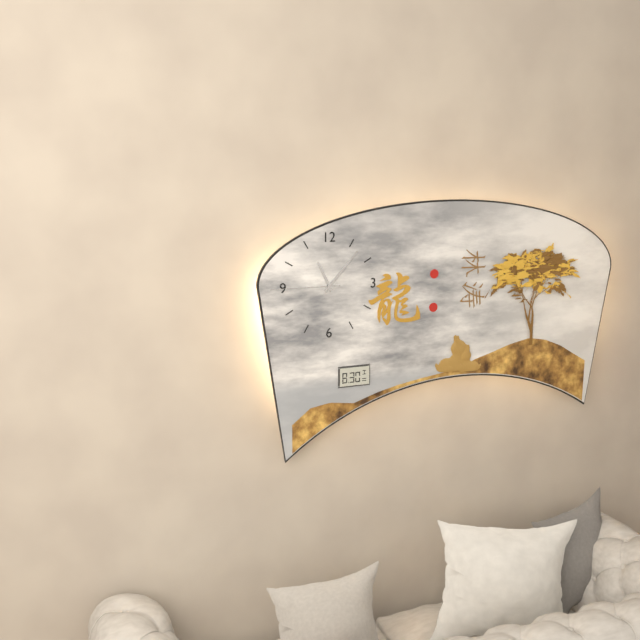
11:07:45
